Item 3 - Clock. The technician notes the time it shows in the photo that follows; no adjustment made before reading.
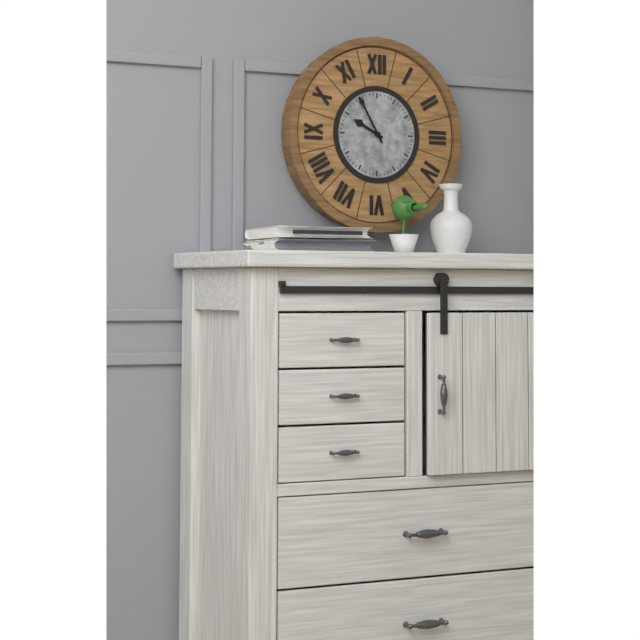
9:55
